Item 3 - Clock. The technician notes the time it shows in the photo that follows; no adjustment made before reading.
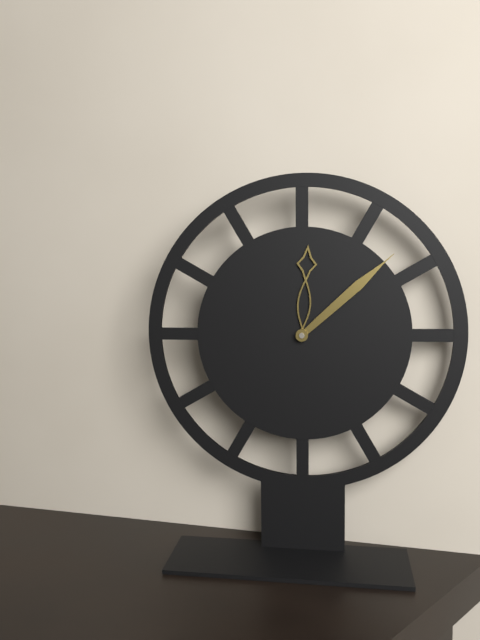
12:08
